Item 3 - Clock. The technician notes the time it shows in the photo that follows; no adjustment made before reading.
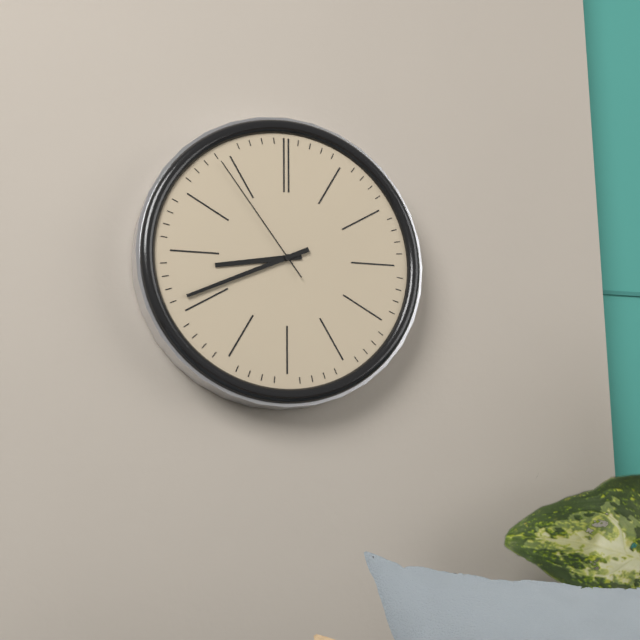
8:41:54
